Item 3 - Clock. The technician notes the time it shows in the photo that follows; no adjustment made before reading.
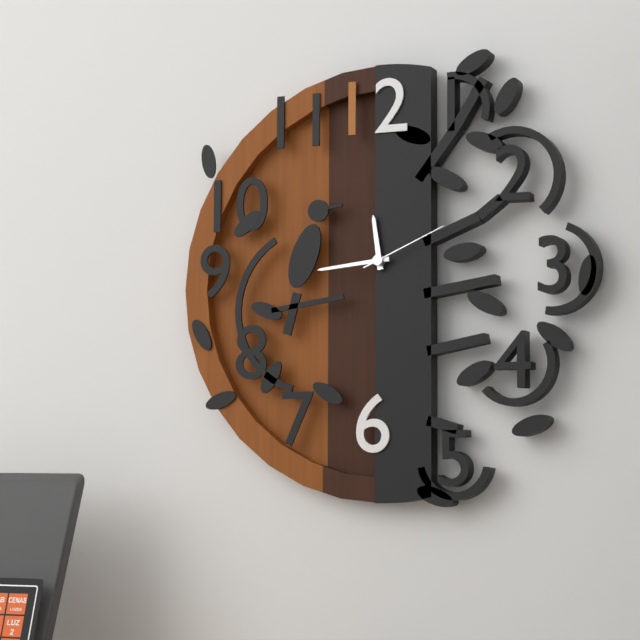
11:44:11
